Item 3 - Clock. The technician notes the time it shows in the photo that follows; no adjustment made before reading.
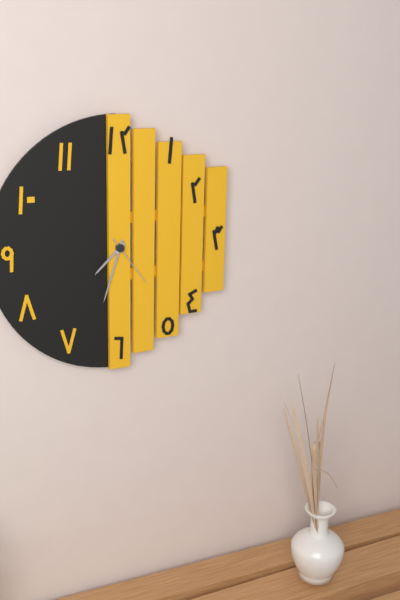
7:33:24
